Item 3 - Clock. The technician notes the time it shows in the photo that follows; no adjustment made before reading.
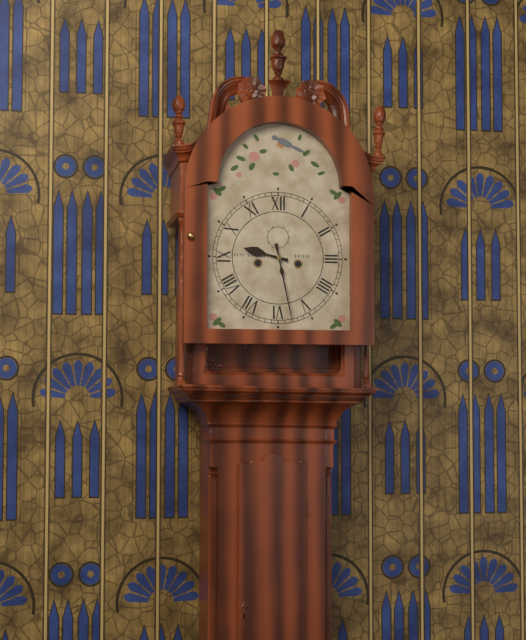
9:28
